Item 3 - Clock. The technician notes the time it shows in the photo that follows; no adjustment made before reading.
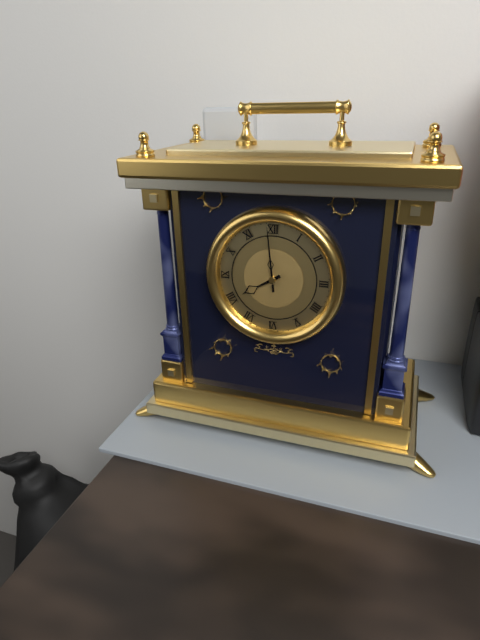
7:59
